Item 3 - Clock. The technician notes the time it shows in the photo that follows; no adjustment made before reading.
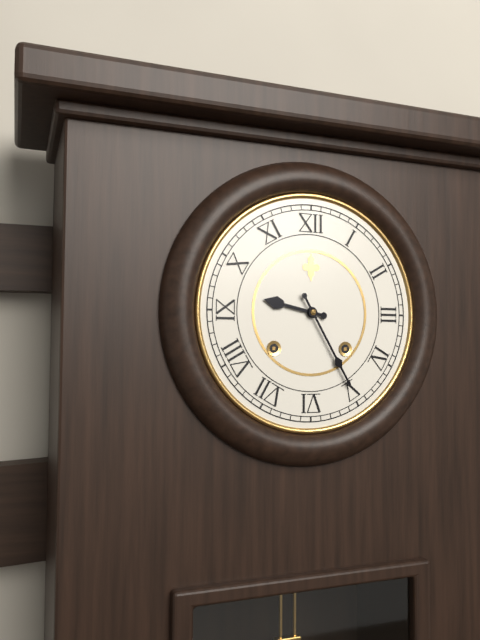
9:25
